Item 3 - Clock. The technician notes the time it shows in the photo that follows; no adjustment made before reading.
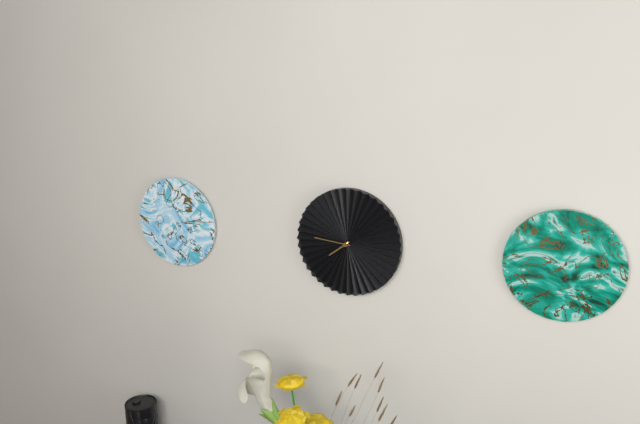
7:46
